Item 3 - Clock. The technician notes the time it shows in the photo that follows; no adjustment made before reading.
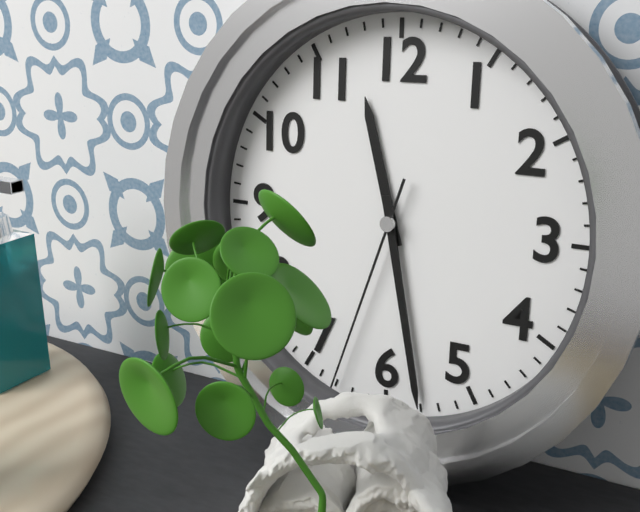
11:28:33
